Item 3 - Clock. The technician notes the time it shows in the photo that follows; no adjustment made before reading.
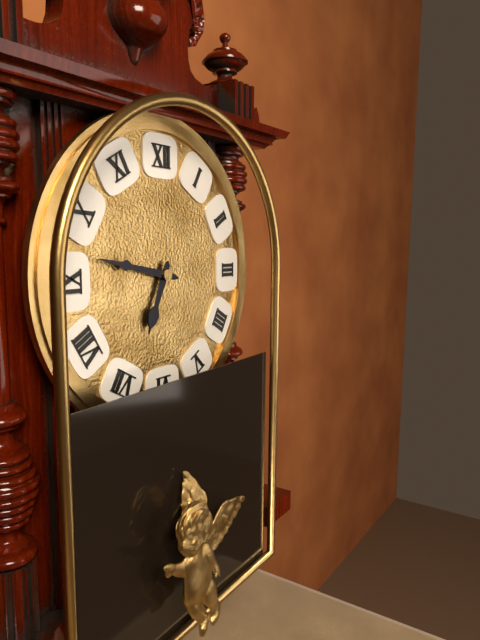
6:47
